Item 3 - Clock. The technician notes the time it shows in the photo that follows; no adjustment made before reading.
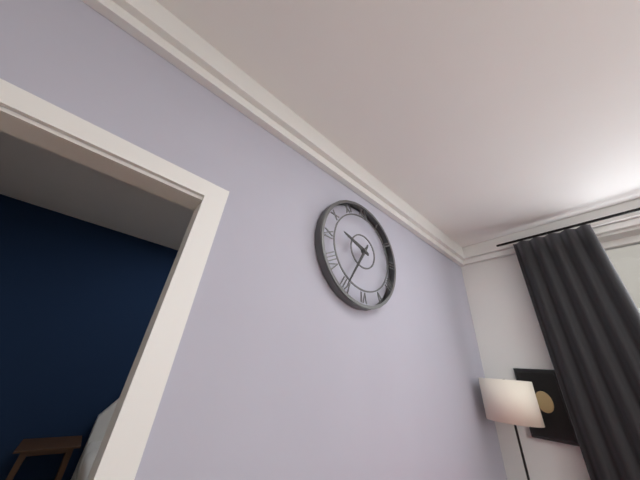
9:35
